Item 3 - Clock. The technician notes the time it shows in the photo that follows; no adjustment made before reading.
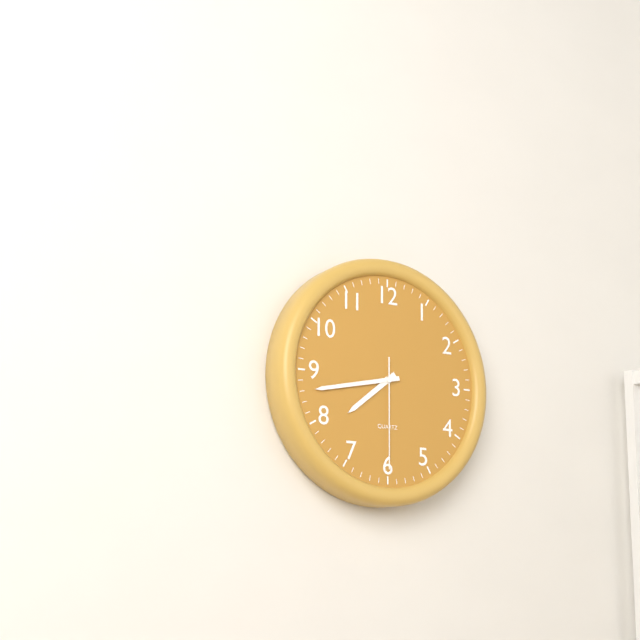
7:43:30
